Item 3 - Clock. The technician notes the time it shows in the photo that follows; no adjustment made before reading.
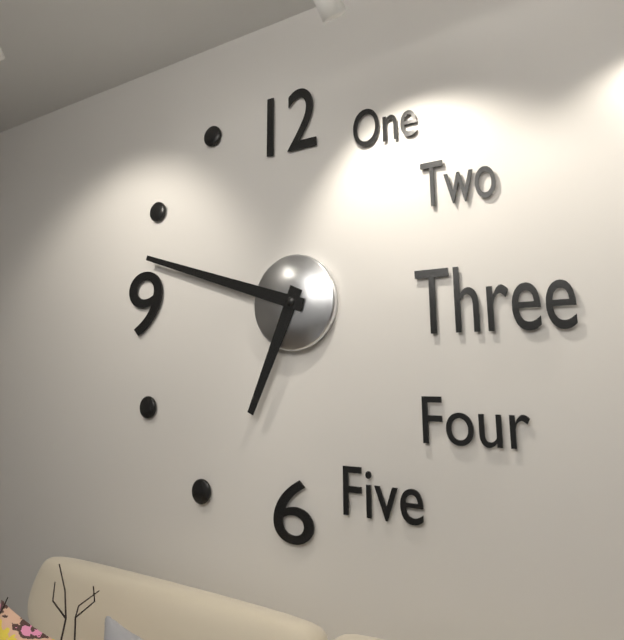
6:48
